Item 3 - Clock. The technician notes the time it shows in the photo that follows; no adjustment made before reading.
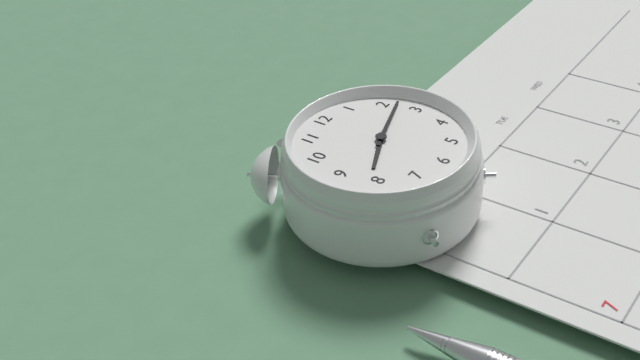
8:12
